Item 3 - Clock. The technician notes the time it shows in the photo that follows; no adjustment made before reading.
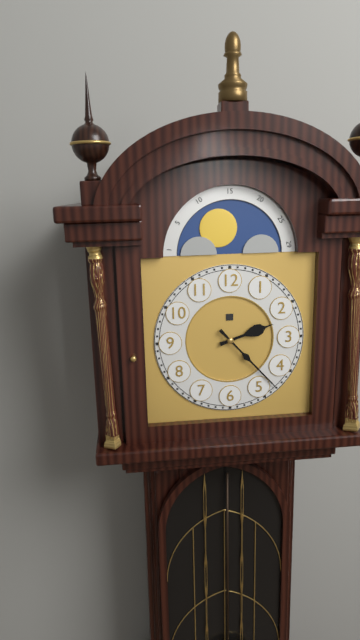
2:23
